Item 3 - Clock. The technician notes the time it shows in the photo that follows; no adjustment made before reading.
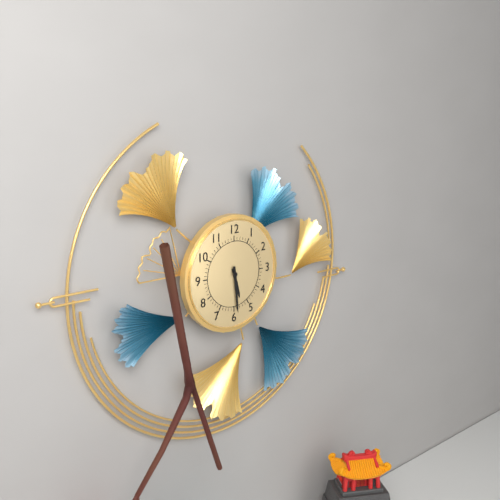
5:29
